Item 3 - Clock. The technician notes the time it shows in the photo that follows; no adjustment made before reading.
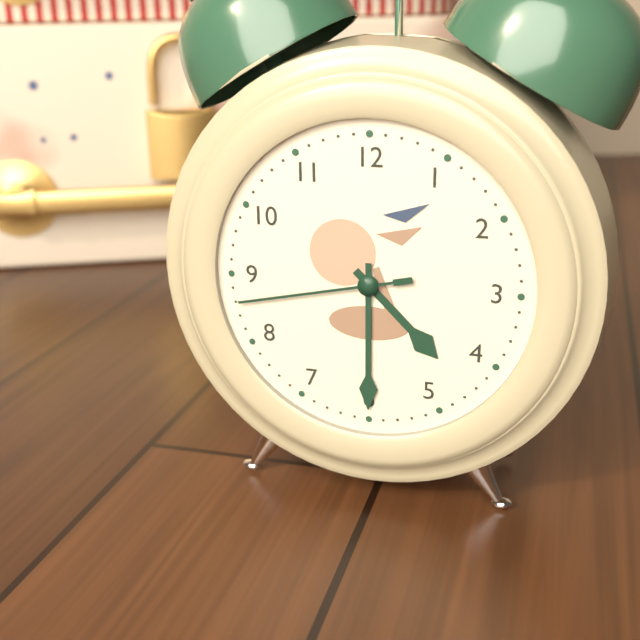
4:30:43
